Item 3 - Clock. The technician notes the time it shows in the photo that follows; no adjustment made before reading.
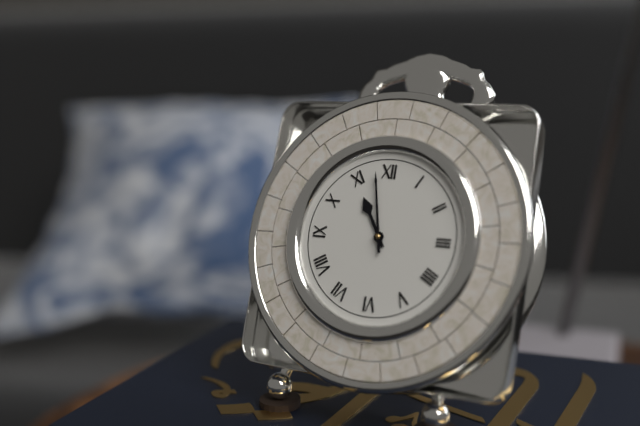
10:58
